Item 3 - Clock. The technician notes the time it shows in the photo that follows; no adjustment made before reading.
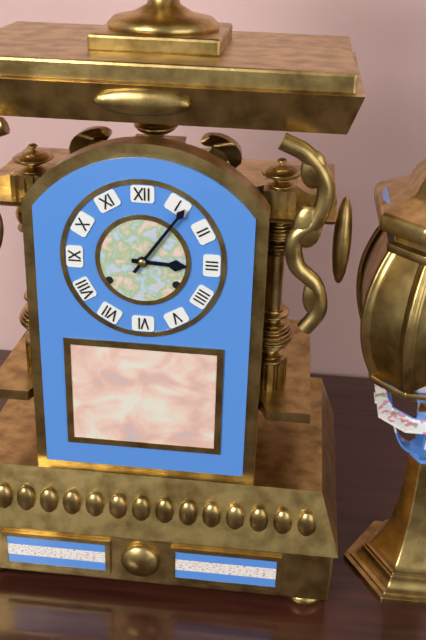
3:06
